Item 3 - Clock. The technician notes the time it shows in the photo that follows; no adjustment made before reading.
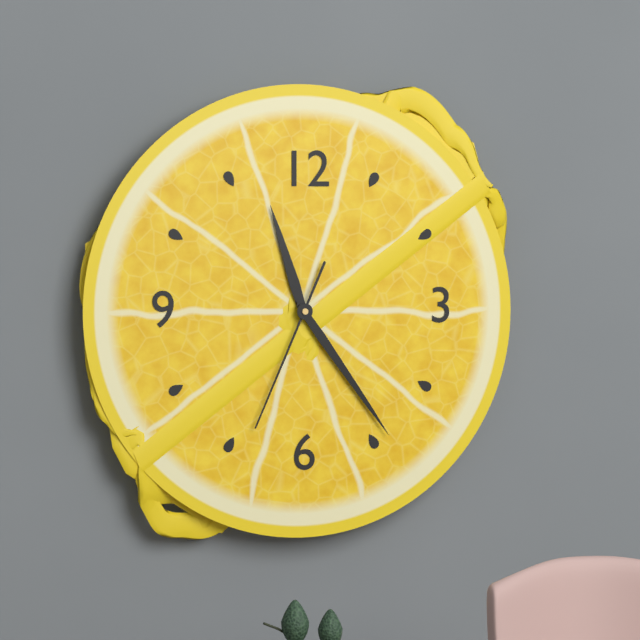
11:24:34
